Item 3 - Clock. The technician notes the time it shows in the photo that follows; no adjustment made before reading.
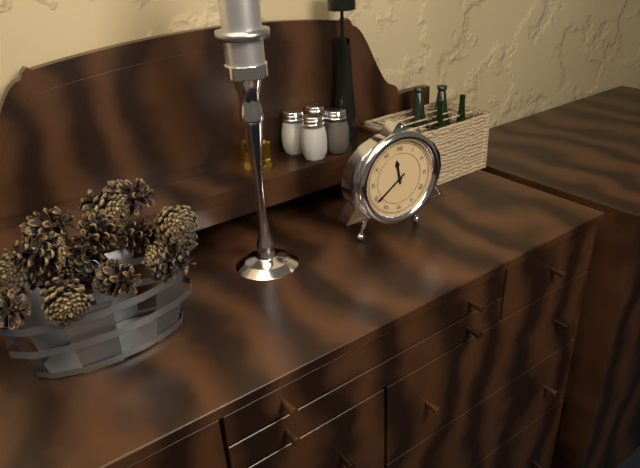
11:39
